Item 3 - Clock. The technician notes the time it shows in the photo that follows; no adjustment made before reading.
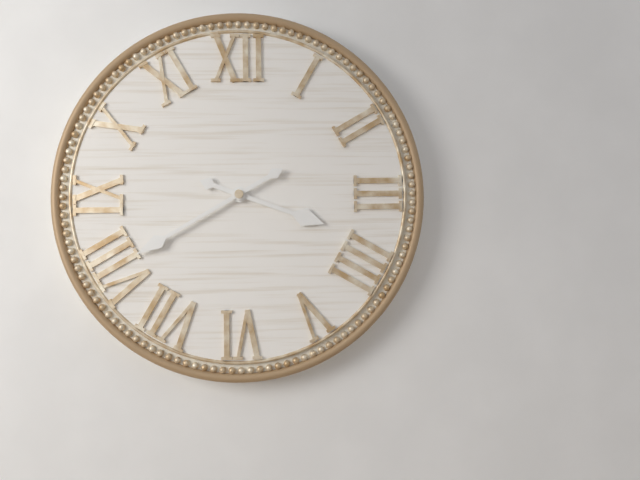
3:40
